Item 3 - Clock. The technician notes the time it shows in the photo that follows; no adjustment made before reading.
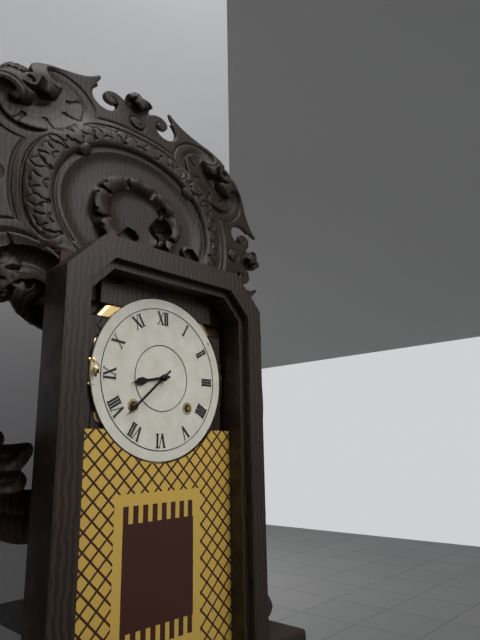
8:38
